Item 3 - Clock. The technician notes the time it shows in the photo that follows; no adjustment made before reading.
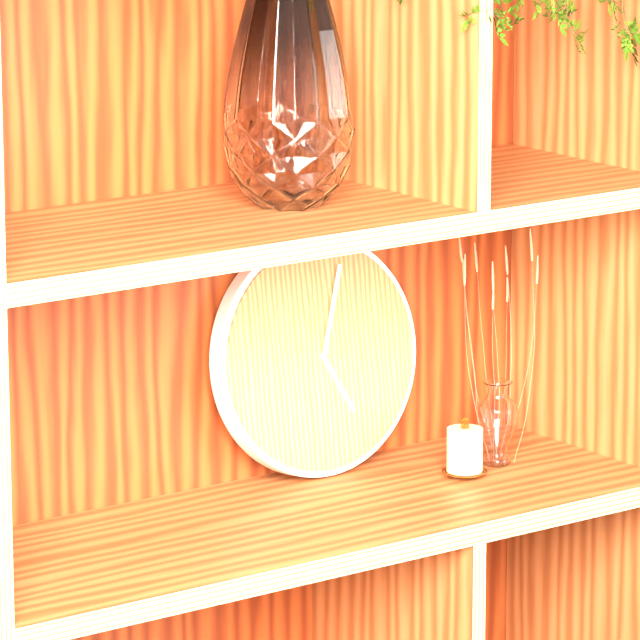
5:03
